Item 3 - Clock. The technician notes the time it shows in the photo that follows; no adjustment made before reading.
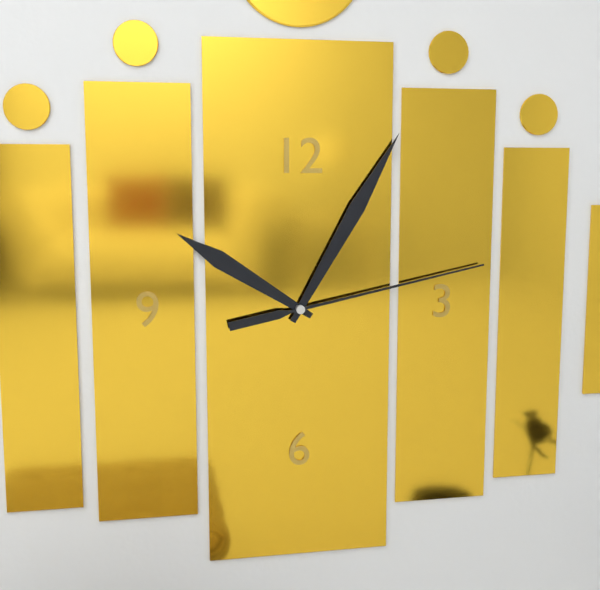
10:05:13
